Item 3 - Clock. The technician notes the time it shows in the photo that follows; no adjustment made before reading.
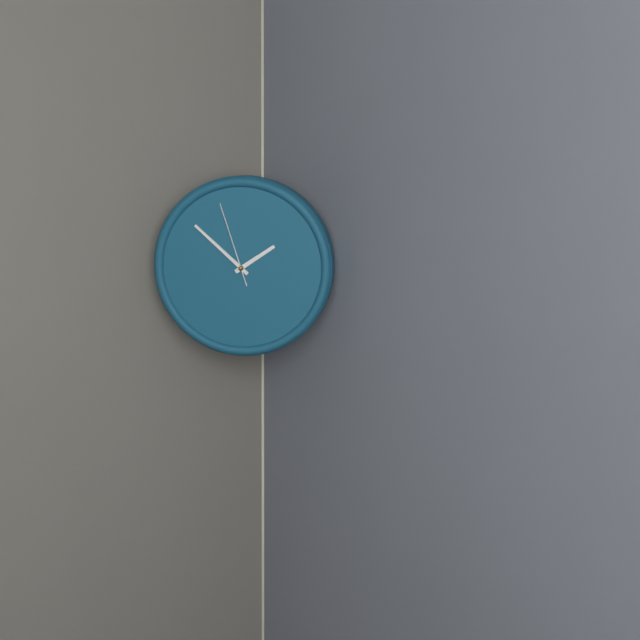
1:52:57
